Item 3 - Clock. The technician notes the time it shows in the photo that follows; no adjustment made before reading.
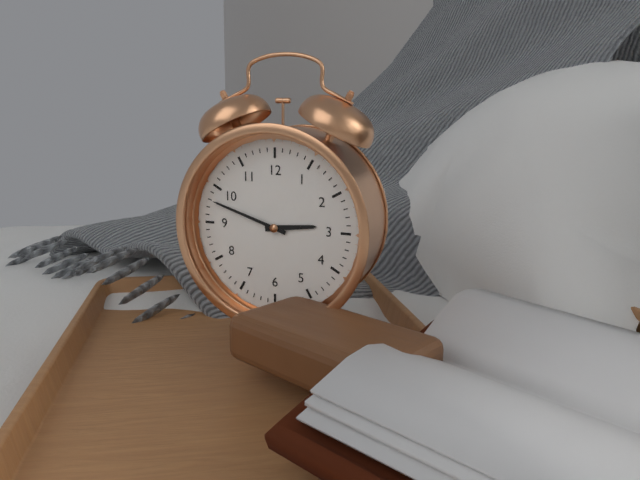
2:48
